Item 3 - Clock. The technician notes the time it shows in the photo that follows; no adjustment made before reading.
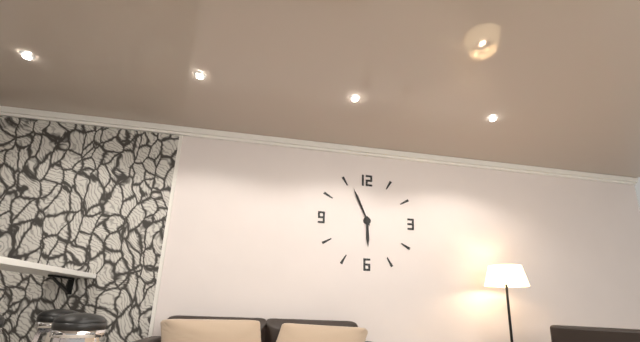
5:56
